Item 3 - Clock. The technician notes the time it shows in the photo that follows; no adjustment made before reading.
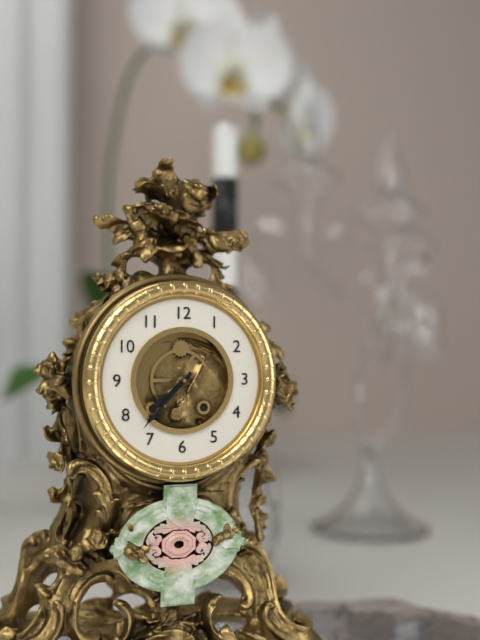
7:37
